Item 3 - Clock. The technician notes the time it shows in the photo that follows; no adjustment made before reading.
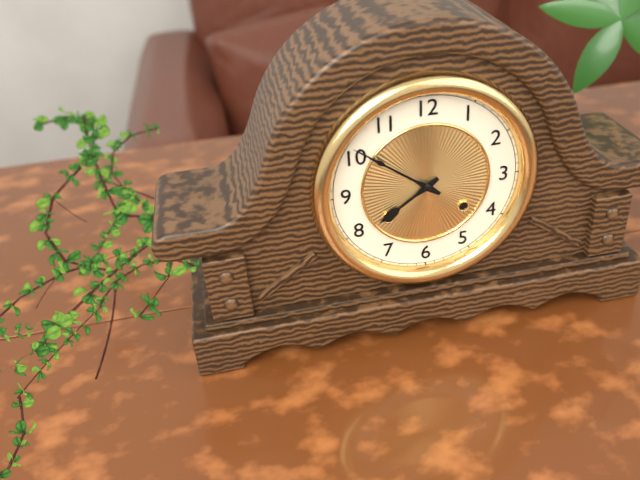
7:51
